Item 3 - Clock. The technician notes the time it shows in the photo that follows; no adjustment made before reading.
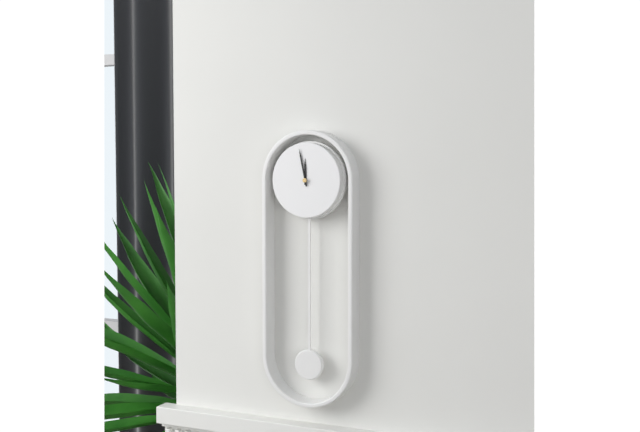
11:58
